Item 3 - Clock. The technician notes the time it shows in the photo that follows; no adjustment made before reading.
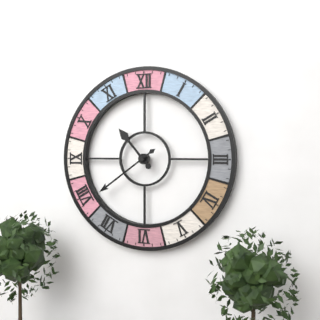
10:39
